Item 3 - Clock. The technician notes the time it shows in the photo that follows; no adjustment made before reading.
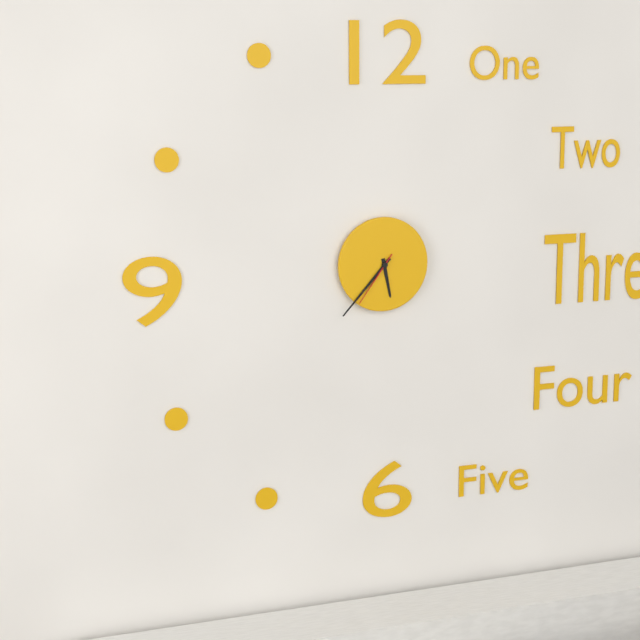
5:37:36
